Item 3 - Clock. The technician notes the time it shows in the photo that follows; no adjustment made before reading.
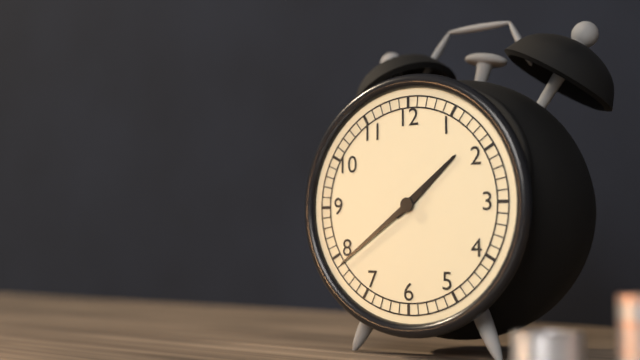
1:39
